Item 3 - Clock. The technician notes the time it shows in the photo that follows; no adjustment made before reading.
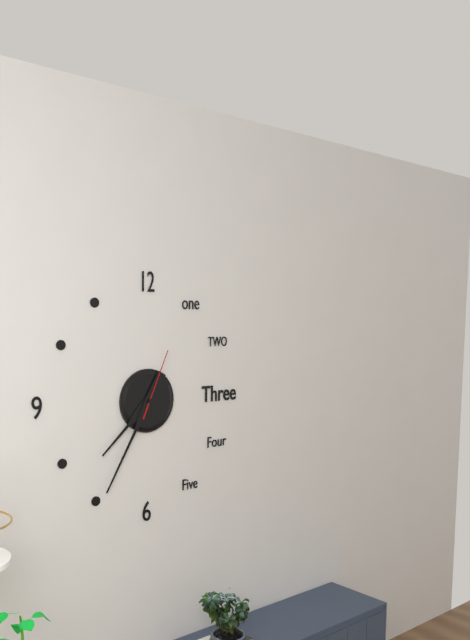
7:35:04
